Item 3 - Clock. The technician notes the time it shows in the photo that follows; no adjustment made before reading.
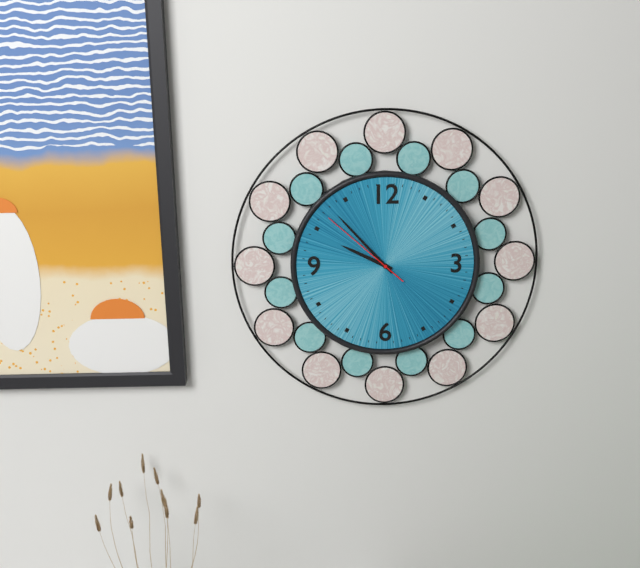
9:53:52
